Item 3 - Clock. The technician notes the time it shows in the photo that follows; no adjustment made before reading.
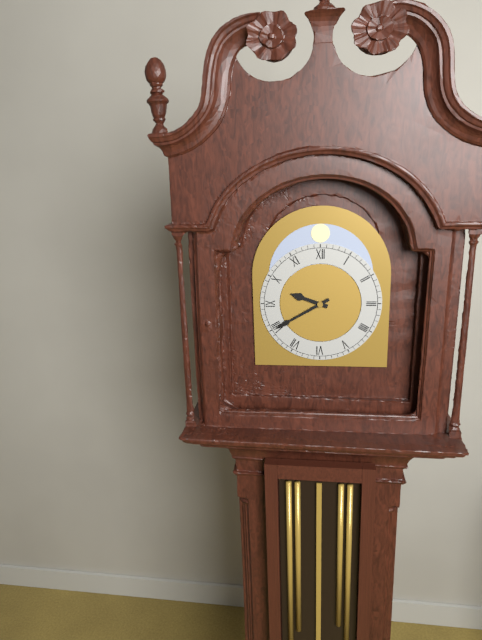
9:40
